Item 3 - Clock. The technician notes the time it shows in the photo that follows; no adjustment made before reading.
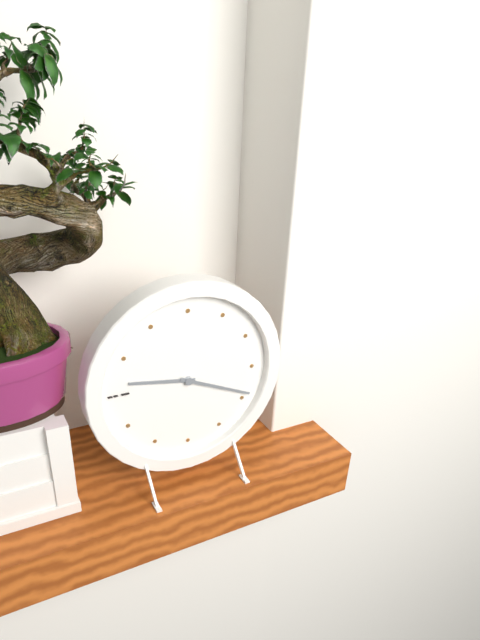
9:19
